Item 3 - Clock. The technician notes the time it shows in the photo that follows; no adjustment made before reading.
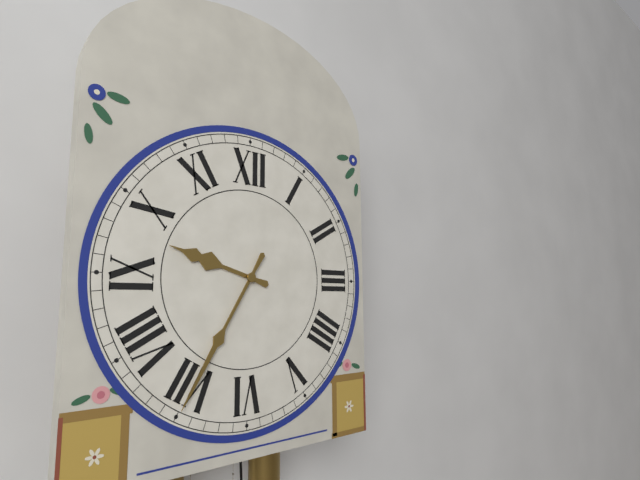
9:35
